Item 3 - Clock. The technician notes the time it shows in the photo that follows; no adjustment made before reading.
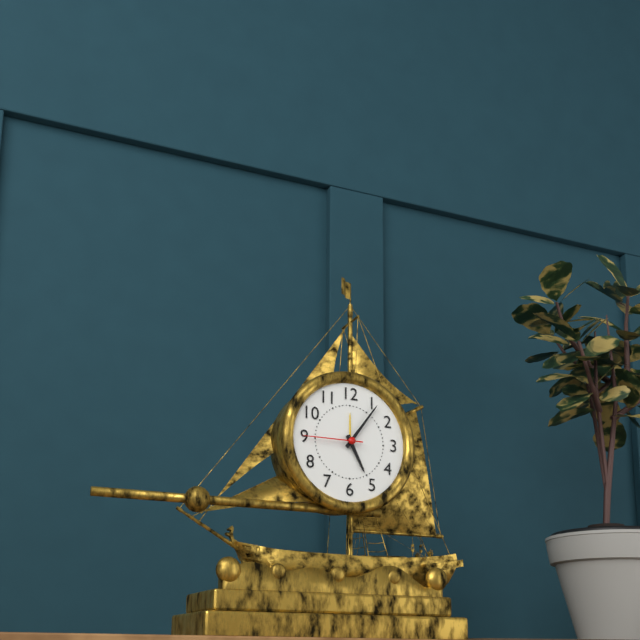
5:06:45
